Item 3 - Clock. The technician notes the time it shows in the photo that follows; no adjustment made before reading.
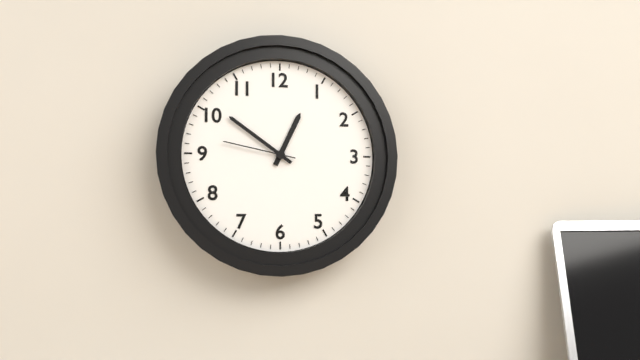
12:51:47
